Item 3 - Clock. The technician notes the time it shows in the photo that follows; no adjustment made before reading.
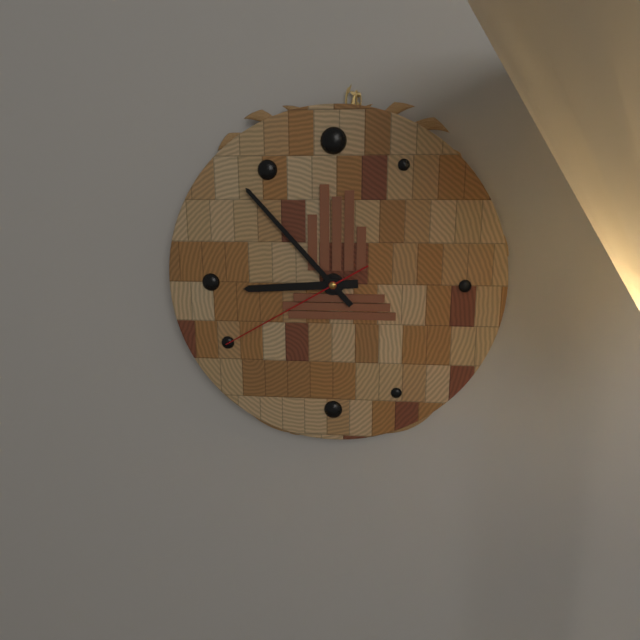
8:53:40
